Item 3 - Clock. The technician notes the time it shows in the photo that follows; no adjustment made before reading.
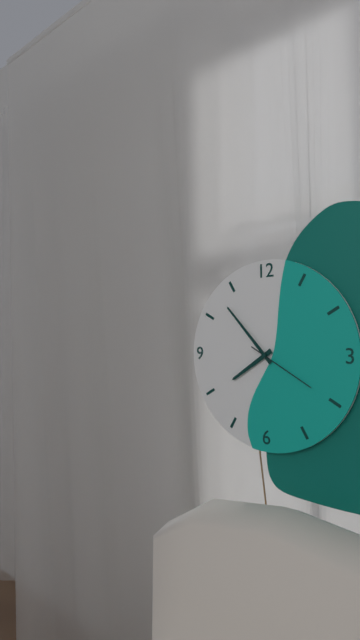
7:53:20
